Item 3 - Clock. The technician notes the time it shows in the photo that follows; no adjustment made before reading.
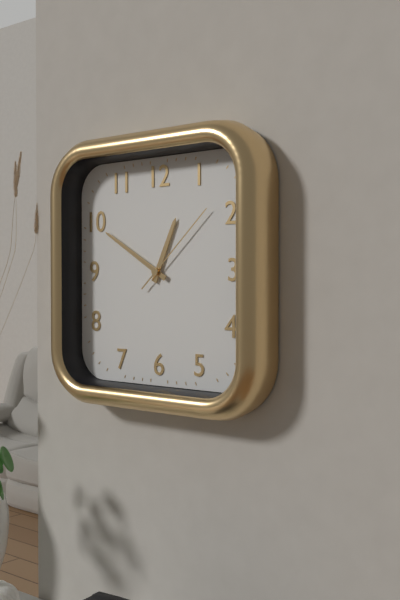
12:50:08
